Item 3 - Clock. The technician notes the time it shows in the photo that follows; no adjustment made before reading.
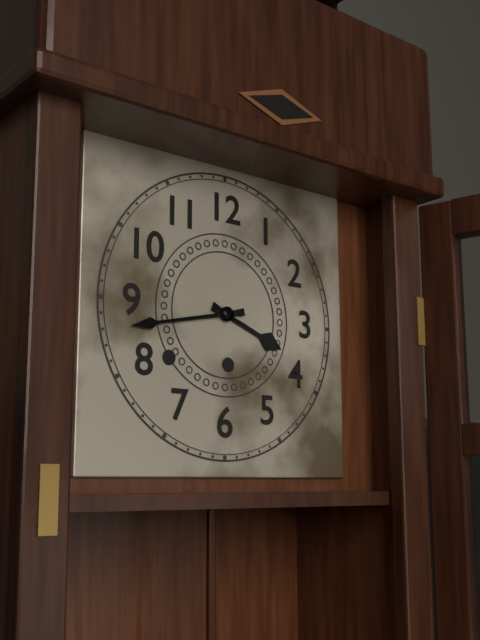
3:43
